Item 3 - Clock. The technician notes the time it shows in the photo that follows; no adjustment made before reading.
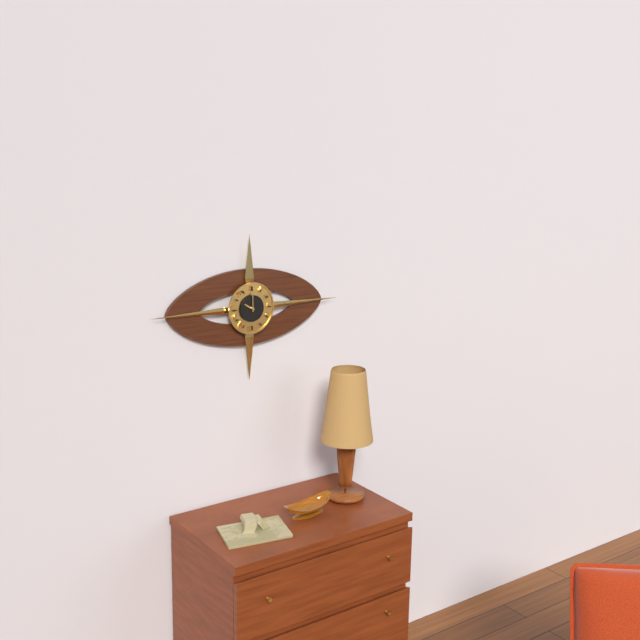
10:00
